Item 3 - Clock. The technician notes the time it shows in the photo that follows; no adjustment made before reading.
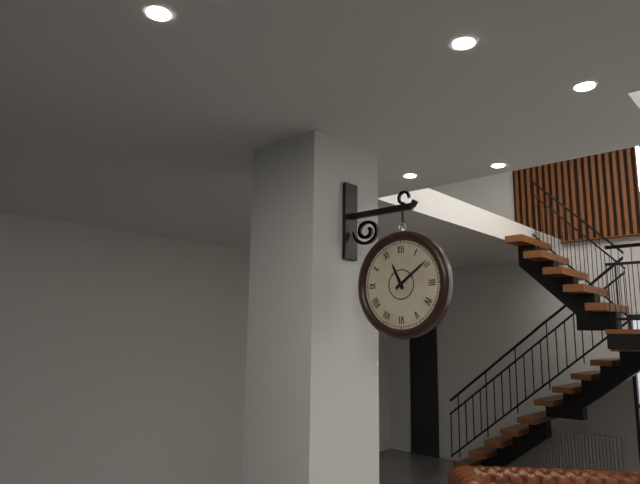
11:09
